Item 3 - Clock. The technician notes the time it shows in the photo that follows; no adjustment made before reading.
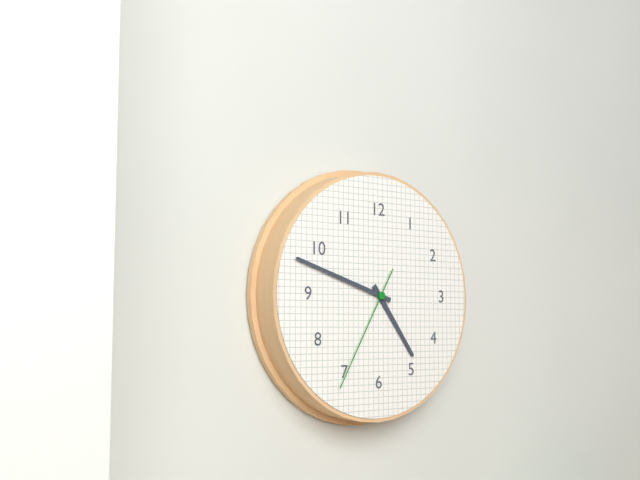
4:48:35
